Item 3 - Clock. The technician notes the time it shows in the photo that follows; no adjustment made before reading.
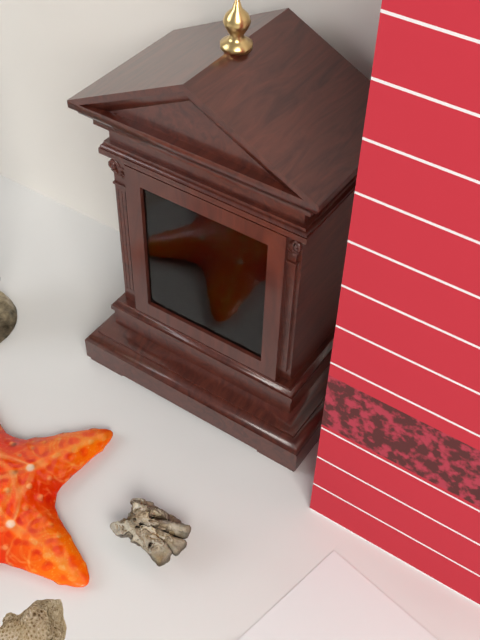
12:02
